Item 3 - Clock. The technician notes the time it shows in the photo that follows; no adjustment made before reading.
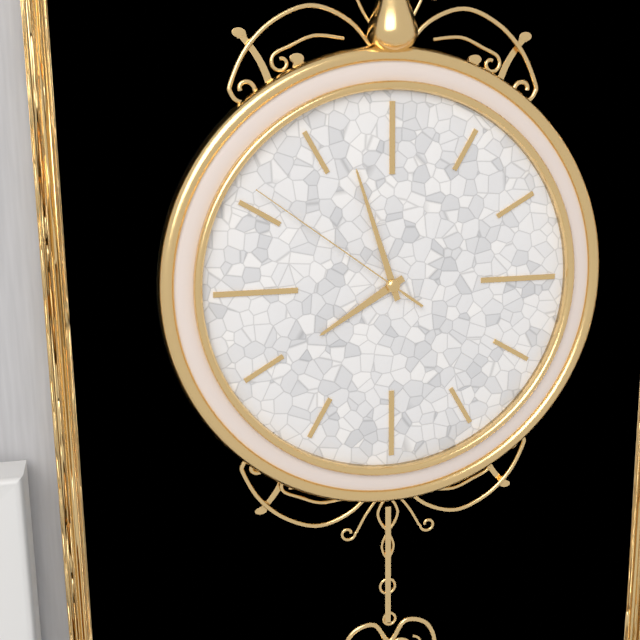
7:57:51
